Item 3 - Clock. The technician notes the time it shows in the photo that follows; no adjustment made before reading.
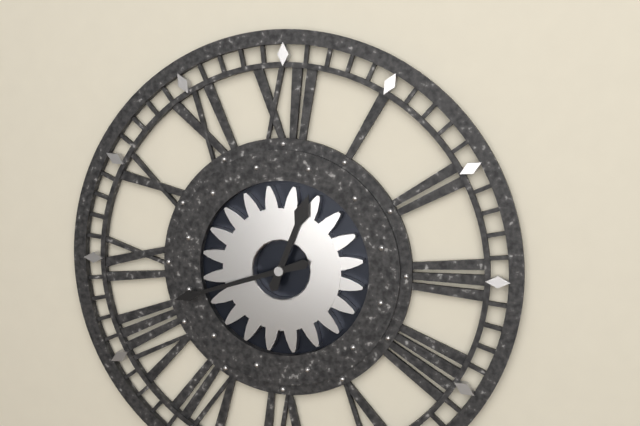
12:42
